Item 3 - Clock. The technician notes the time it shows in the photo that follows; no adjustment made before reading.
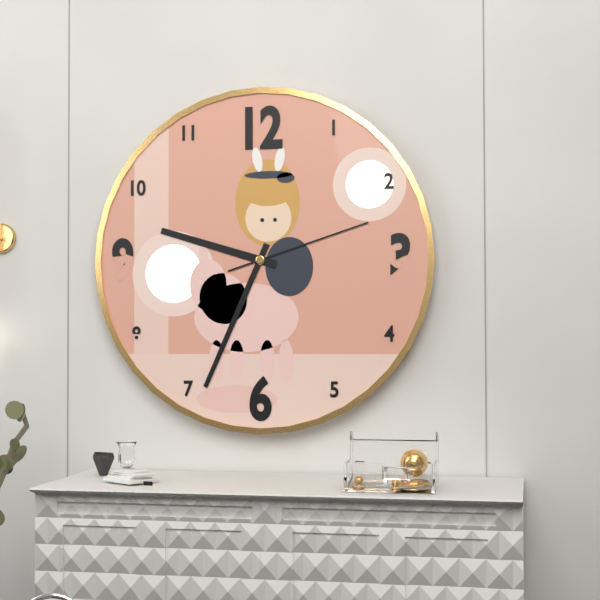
9:34:12
